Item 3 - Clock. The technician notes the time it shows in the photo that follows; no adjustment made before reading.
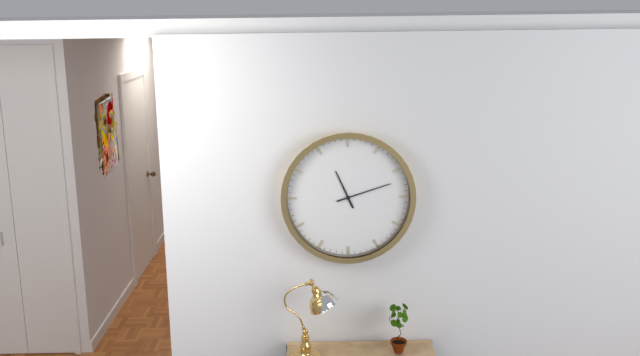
11:12
